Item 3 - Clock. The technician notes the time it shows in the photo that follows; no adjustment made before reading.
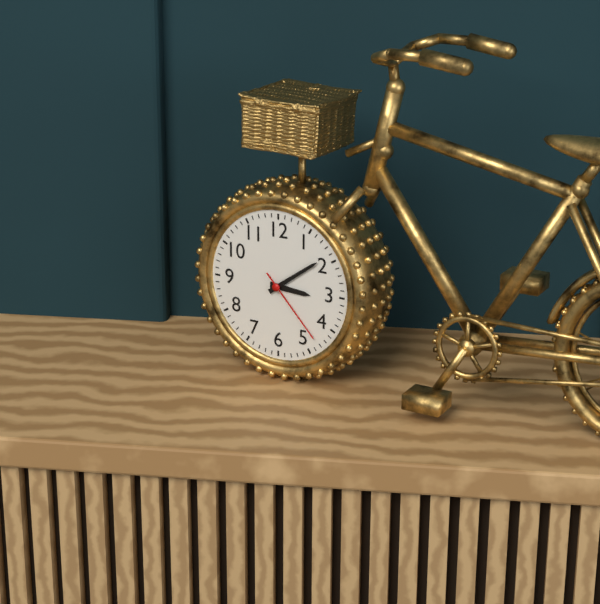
3:09:23
